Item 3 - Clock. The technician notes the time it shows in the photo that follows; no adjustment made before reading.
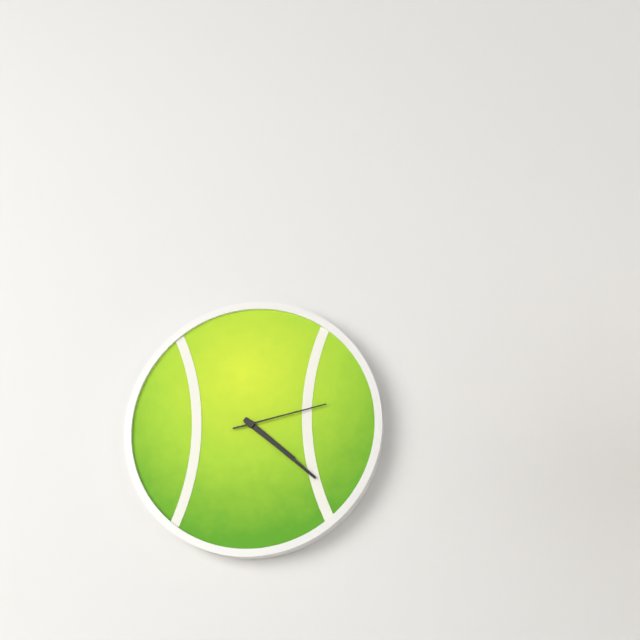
4:22:13
